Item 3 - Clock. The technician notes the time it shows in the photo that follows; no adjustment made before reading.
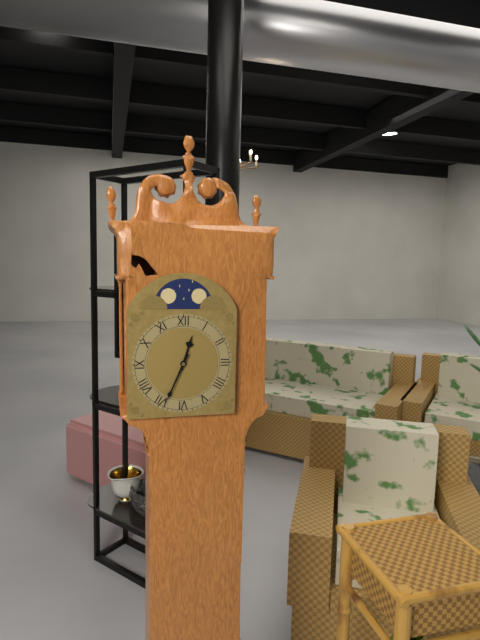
12:34
